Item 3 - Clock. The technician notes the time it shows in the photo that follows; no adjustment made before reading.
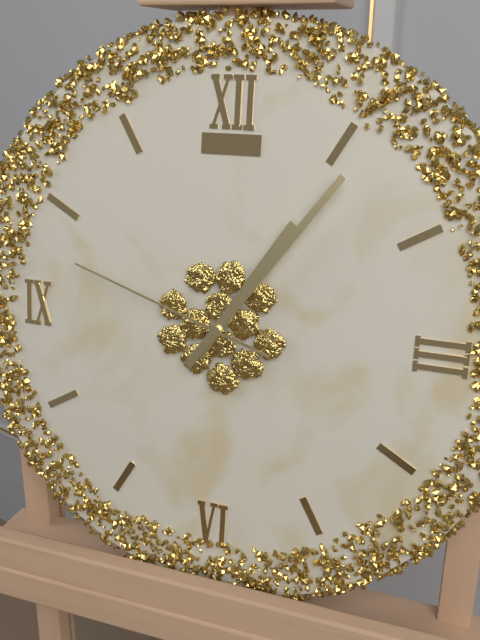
1:06:48
